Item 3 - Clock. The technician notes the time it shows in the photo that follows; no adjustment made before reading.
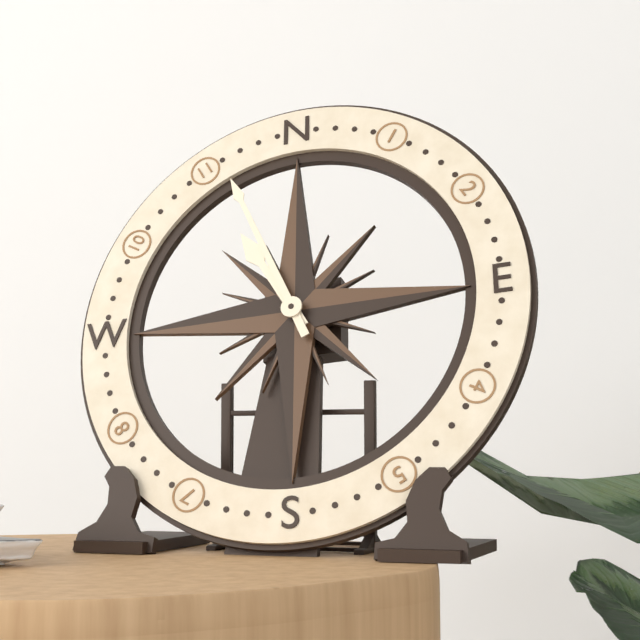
10:56
